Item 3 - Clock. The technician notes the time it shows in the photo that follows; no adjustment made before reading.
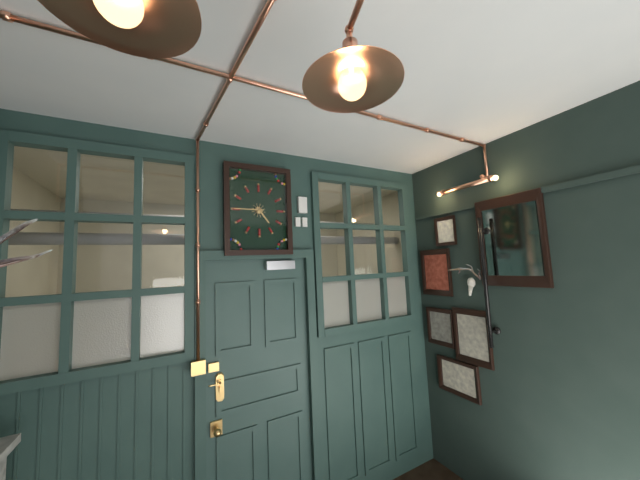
4:45
